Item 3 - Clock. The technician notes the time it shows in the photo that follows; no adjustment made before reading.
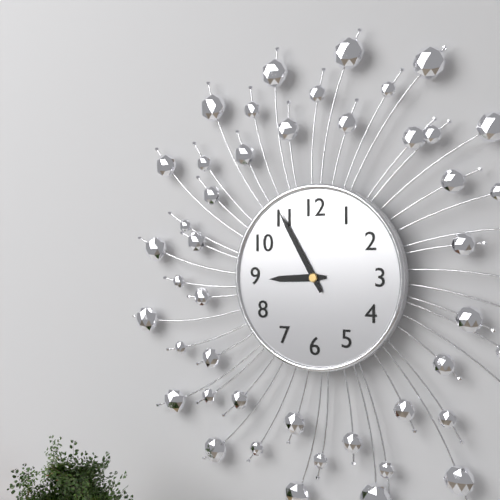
8:55
